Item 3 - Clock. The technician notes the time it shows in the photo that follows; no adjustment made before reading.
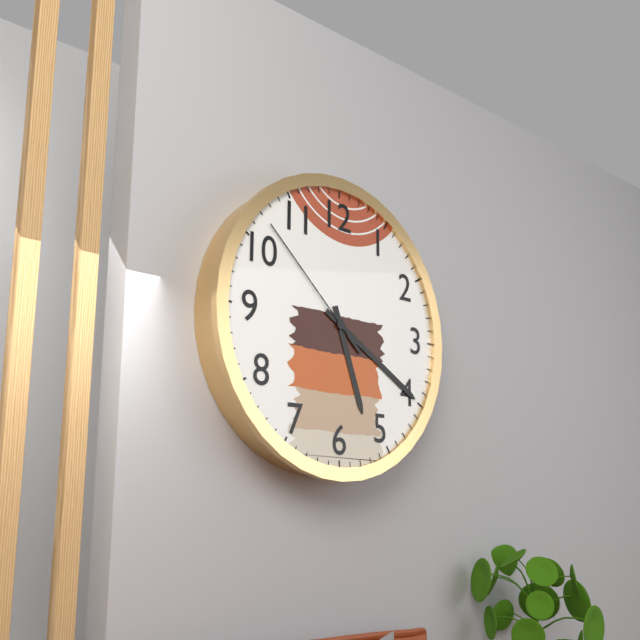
5:20:52
